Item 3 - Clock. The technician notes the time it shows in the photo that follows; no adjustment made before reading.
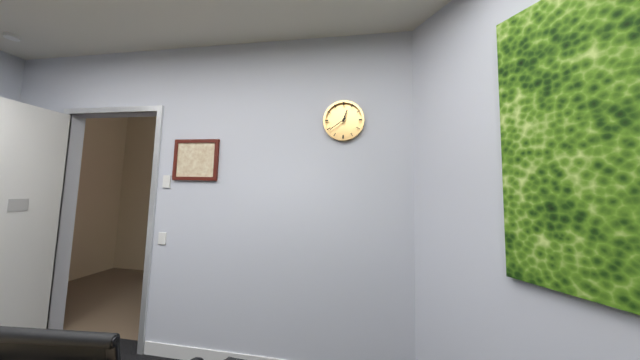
12:39
